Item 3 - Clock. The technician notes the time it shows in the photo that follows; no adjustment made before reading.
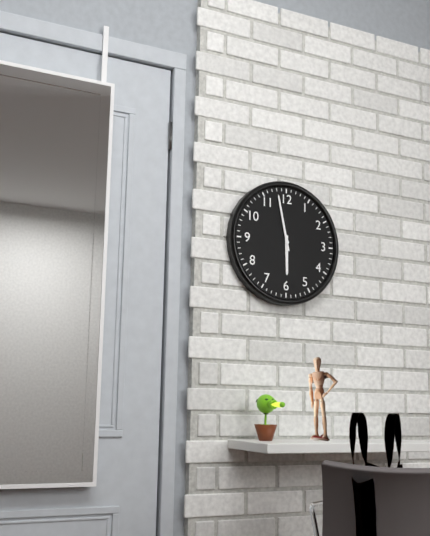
5:58
